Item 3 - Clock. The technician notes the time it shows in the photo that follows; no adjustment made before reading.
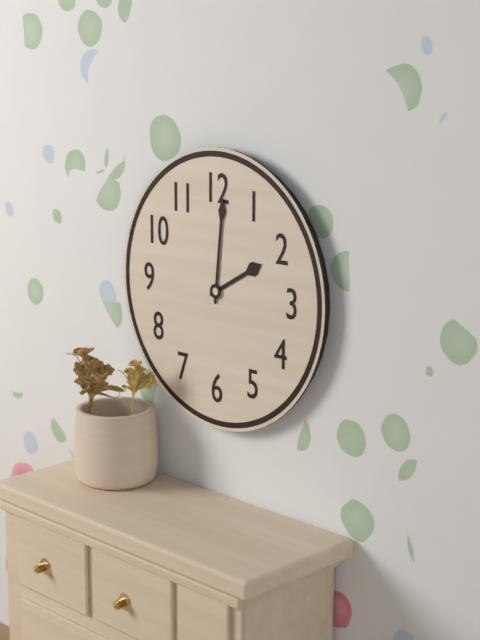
2:01
